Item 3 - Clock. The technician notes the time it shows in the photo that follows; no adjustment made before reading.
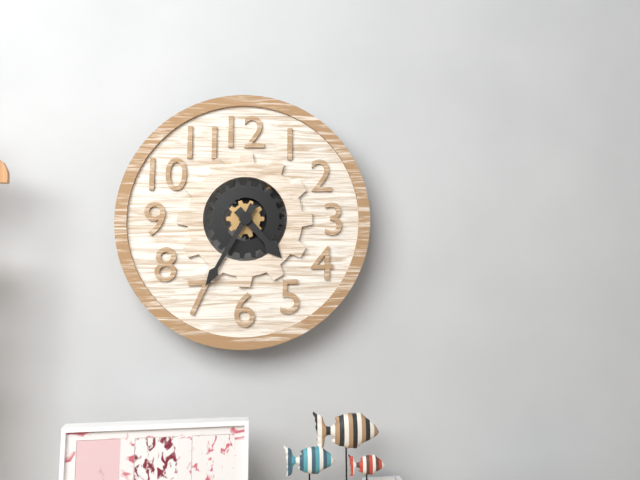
4:35
